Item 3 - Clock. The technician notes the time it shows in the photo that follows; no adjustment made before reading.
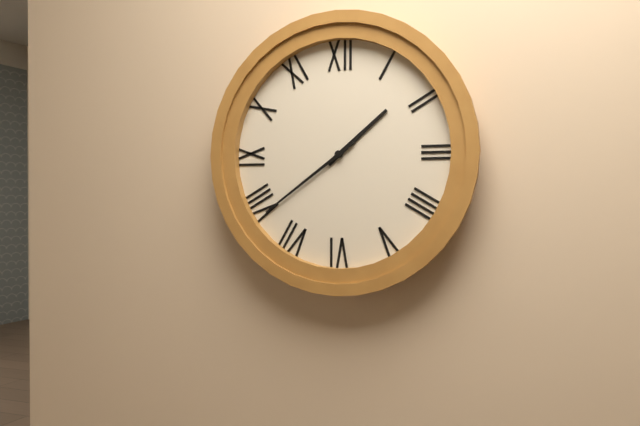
1:39
